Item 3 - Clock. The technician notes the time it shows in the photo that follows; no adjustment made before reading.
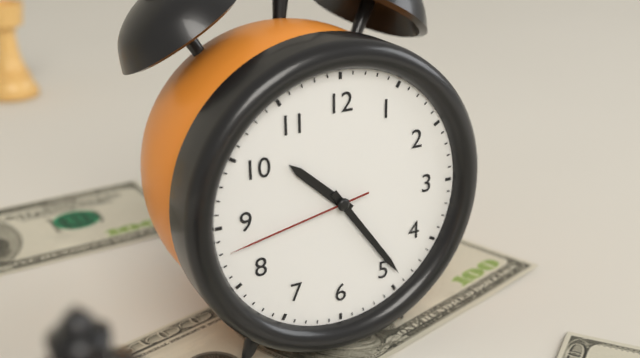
10:24:43
